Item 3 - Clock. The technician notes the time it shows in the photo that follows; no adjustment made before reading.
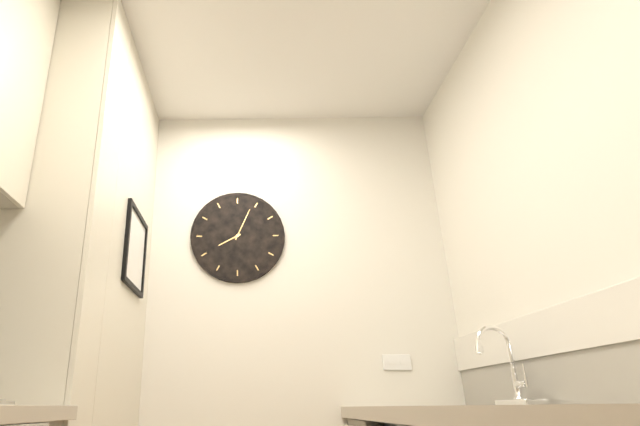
8:04
